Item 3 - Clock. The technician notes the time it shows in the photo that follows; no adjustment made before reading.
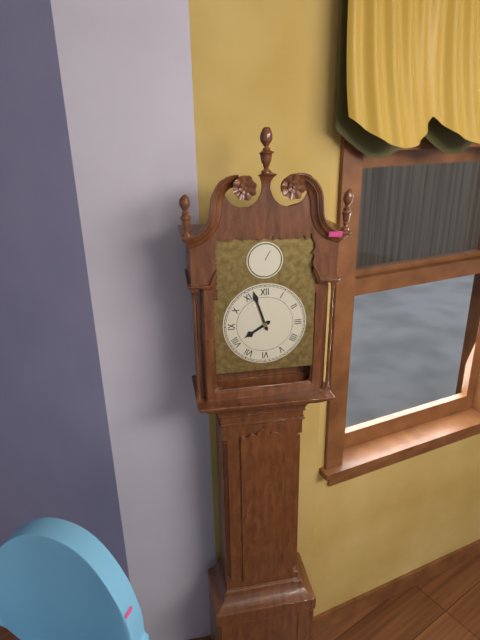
7:57
